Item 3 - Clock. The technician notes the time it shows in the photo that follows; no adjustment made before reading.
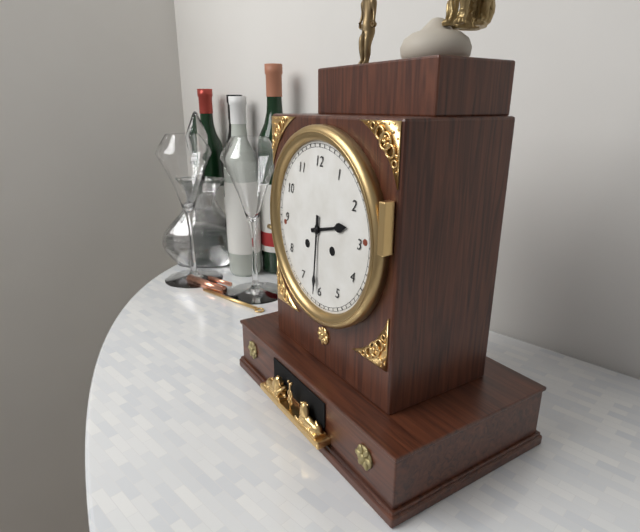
2:31
